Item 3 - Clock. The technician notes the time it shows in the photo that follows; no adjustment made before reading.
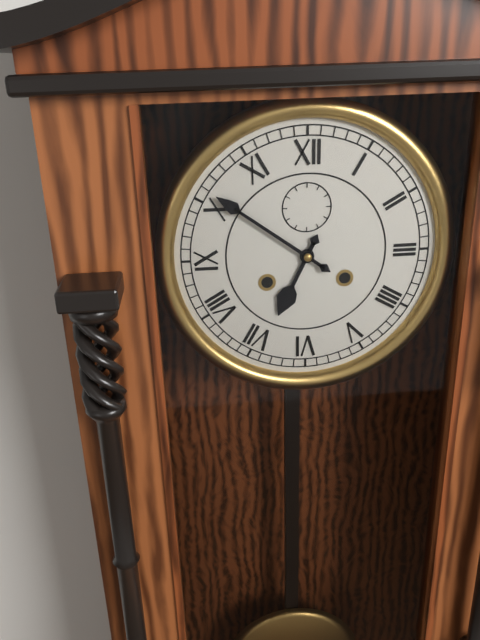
6:51
